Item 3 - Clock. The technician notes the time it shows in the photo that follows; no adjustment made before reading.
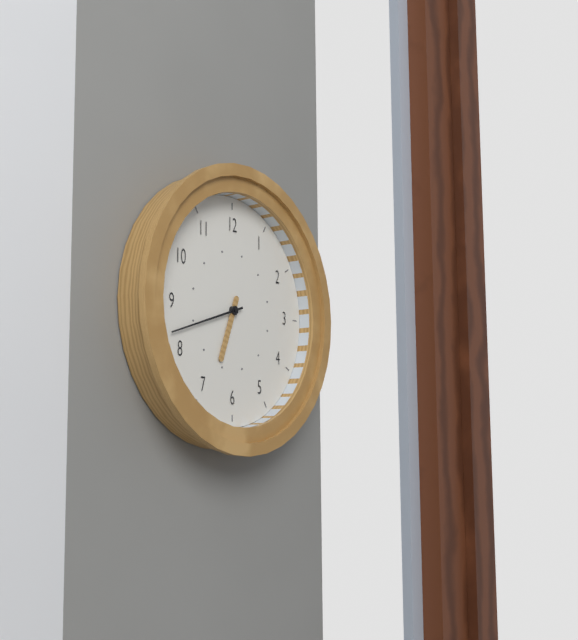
6:42
